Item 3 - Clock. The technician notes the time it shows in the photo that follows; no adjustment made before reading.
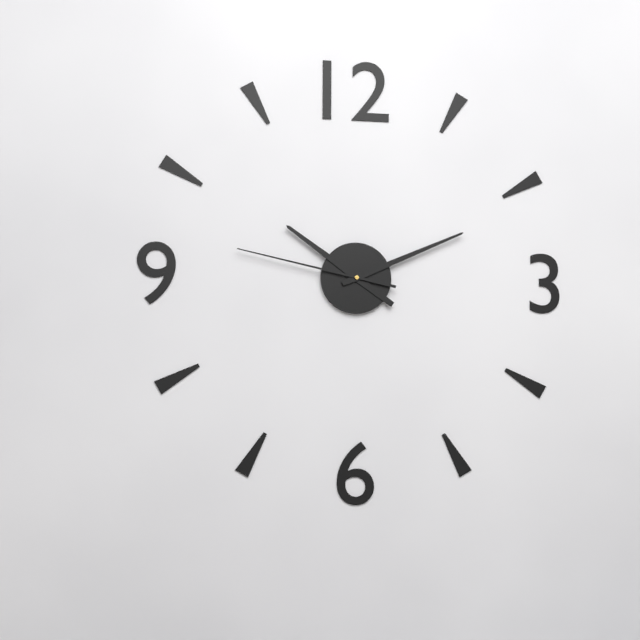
10:11:47
